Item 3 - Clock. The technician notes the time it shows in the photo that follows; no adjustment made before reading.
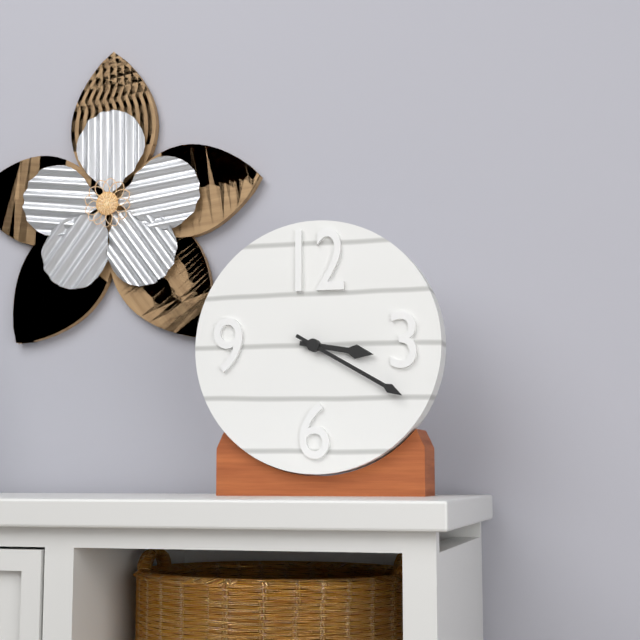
3:20
